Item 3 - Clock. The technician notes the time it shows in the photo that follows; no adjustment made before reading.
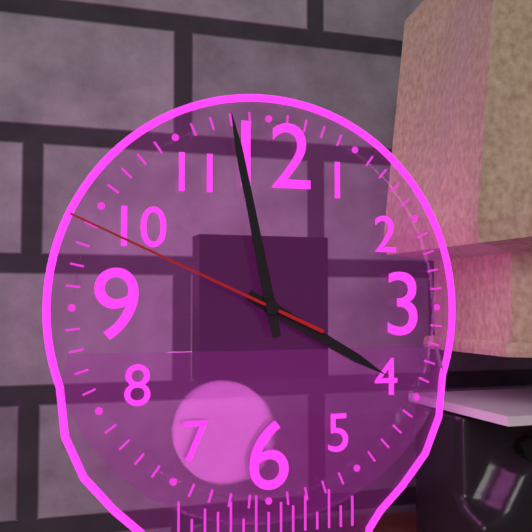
3:58:49
